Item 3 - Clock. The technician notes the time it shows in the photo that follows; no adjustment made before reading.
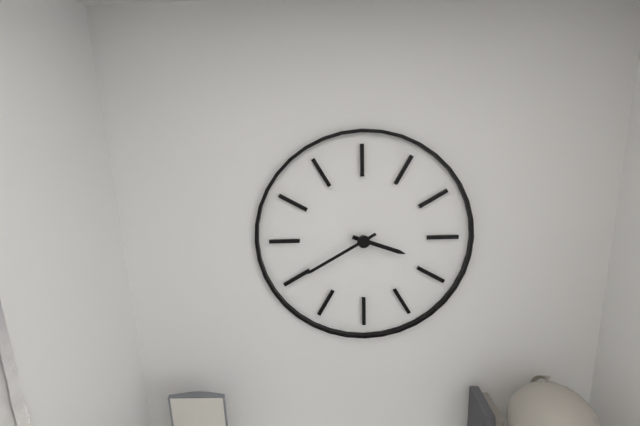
3:40
